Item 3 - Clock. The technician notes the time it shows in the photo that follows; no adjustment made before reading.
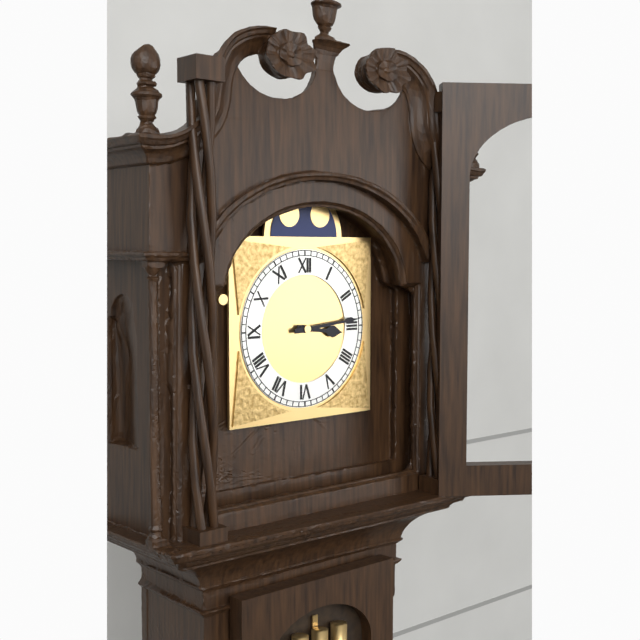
3:14
